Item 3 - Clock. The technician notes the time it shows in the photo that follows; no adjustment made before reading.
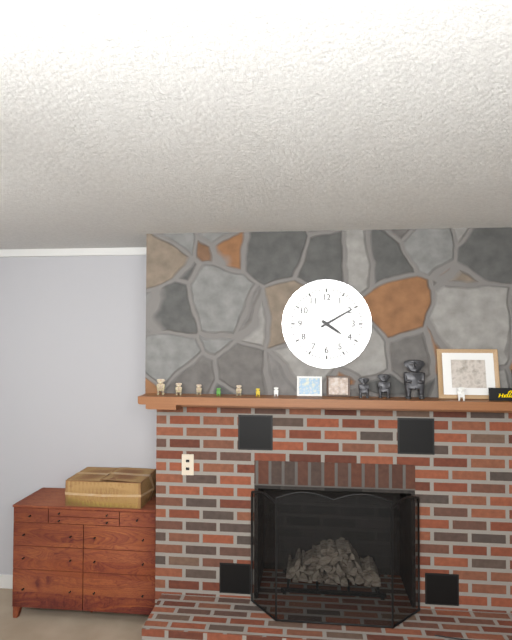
4:10
